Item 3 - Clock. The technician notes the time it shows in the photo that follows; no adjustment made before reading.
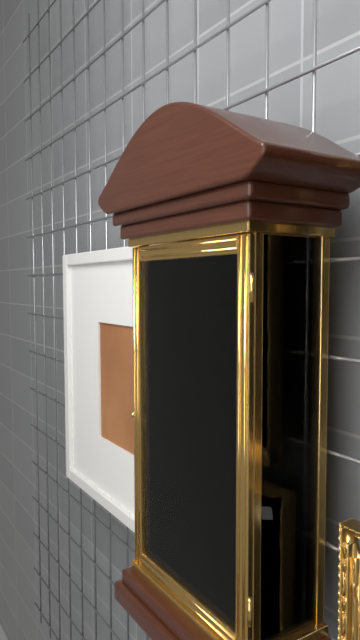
11:46
